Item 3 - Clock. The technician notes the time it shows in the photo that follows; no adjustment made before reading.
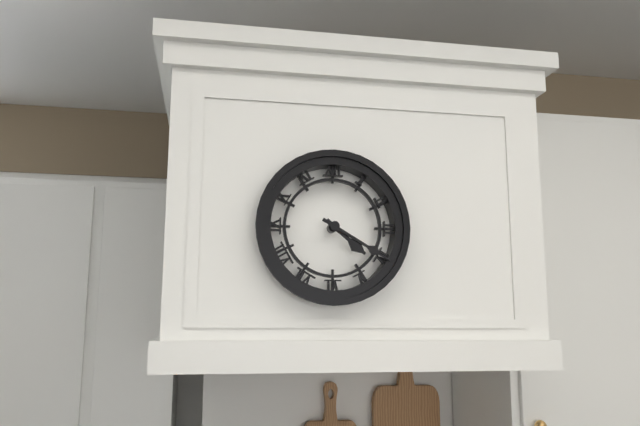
4:20
